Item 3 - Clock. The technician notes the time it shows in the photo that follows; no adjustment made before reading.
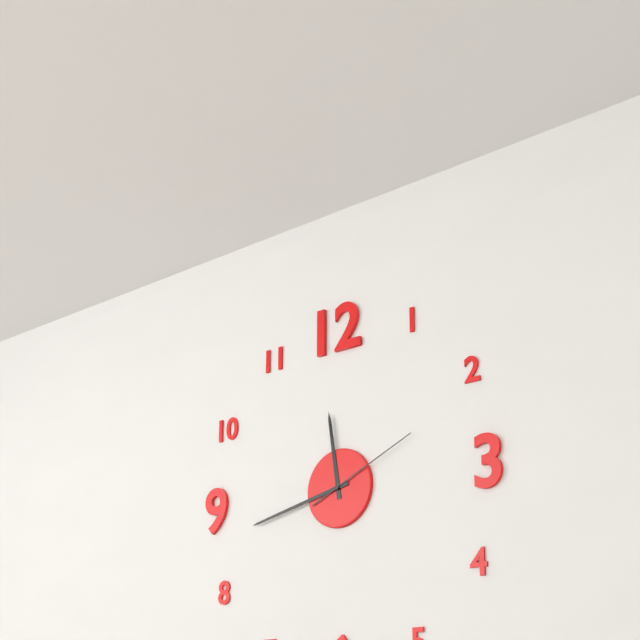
11:43:11
